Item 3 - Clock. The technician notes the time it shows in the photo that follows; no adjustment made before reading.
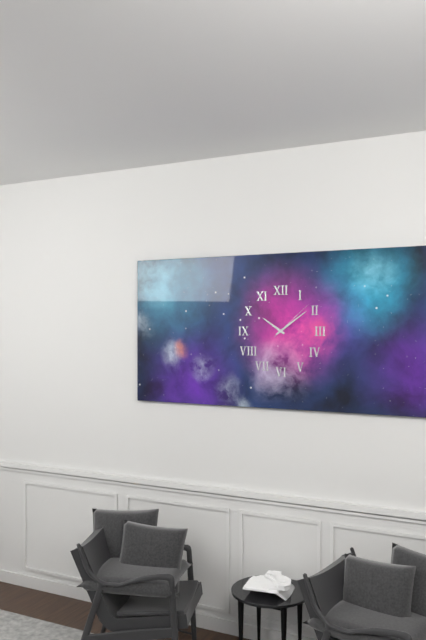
10:09
